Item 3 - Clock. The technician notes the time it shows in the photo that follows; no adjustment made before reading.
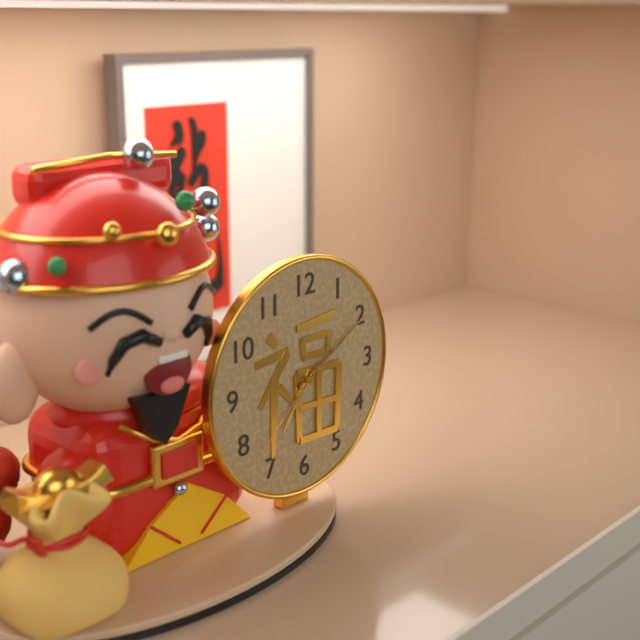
7:10:38
